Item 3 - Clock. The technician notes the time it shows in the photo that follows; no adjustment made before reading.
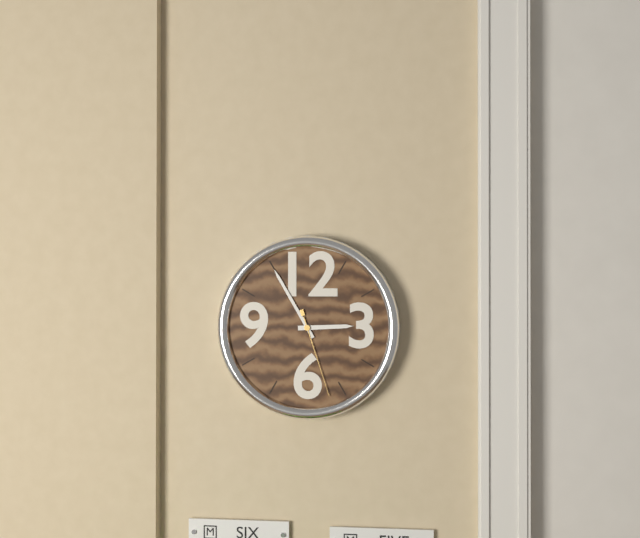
2:55:27
